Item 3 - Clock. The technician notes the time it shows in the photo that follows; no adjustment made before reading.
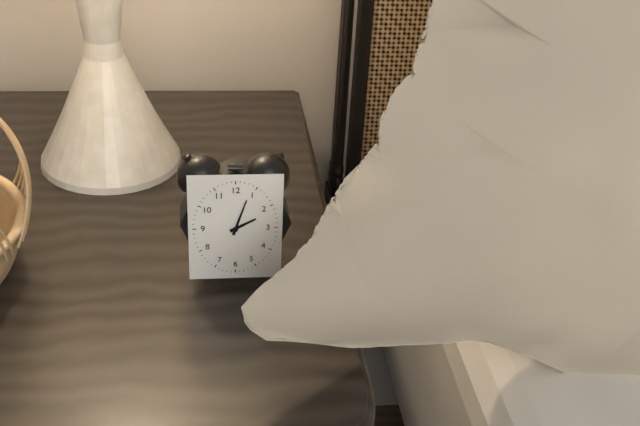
2:03
